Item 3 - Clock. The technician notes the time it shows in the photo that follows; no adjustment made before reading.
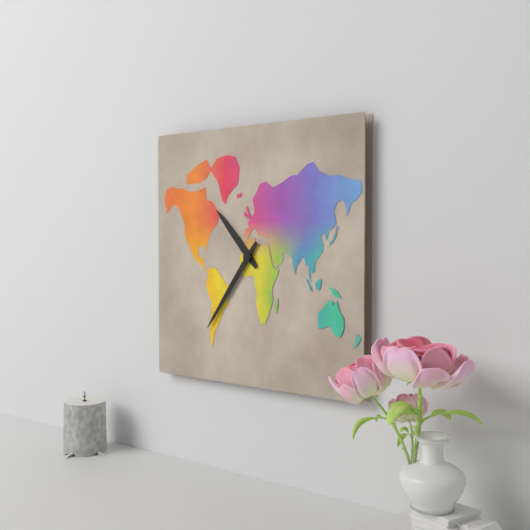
10:36
